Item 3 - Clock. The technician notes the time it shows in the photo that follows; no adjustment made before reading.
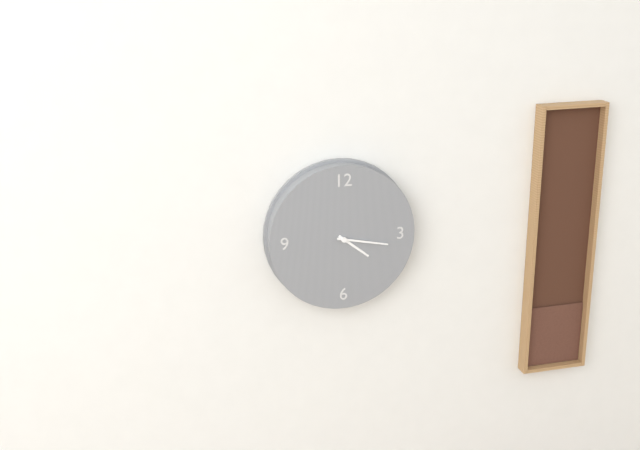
4:17
